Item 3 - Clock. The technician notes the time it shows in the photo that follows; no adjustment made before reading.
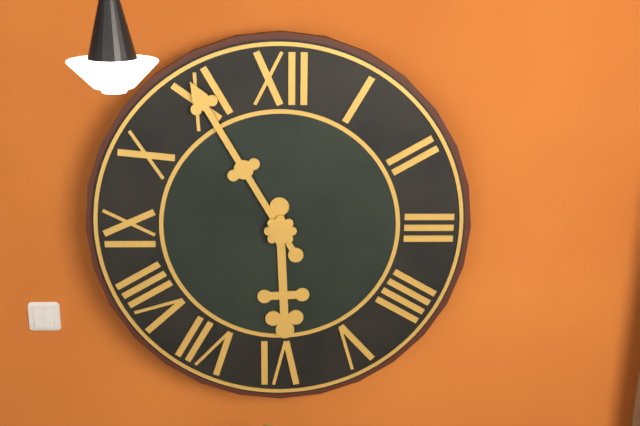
5:55
